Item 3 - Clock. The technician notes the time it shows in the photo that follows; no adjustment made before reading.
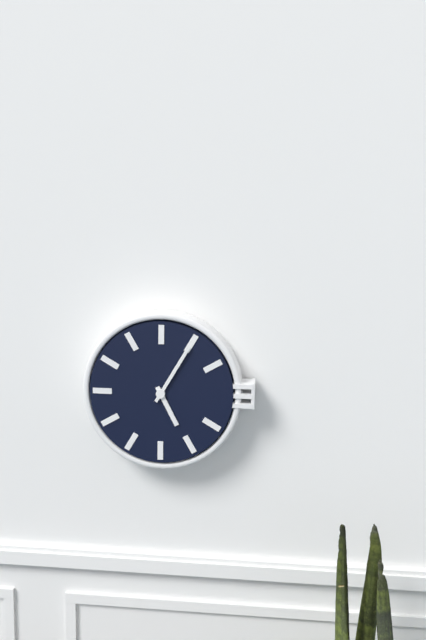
5:05
